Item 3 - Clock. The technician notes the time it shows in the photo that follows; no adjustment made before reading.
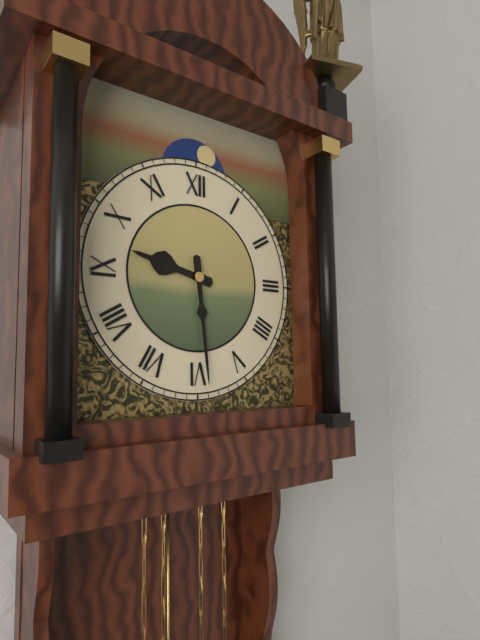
9:29
